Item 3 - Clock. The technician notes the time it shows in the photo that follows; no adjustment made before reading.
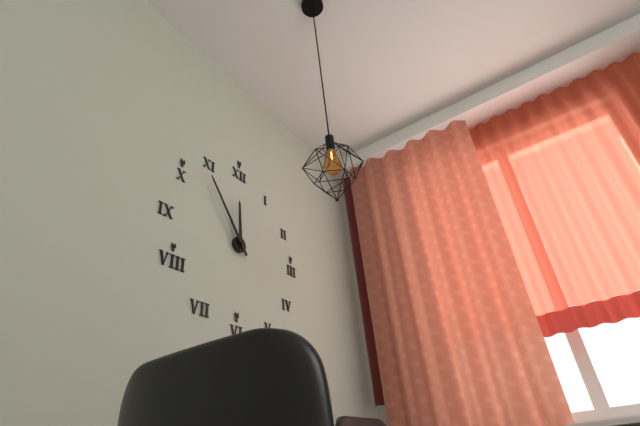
11:54
